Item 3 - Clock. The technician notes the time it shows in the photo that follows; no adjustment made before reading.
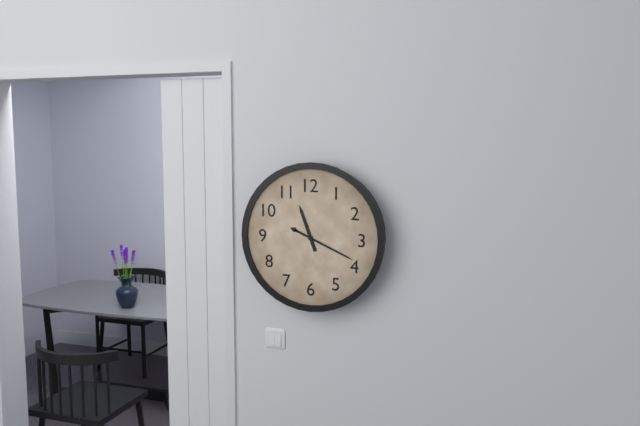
11:19
